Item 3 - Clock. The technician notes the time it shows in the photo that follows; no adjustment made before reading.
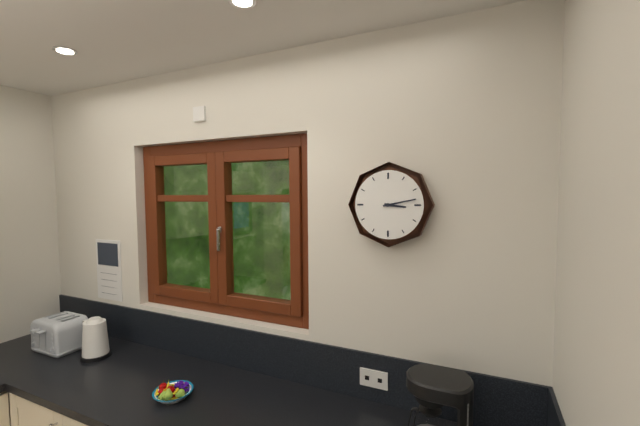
3:13
